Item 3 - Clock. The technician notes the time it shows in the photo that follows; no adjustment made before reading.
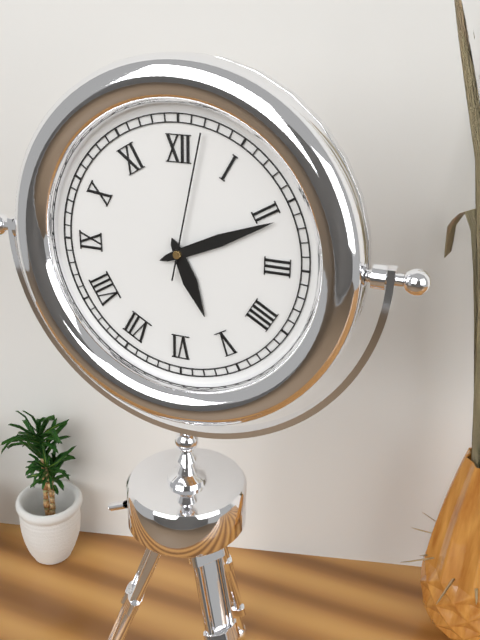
5:11:02
